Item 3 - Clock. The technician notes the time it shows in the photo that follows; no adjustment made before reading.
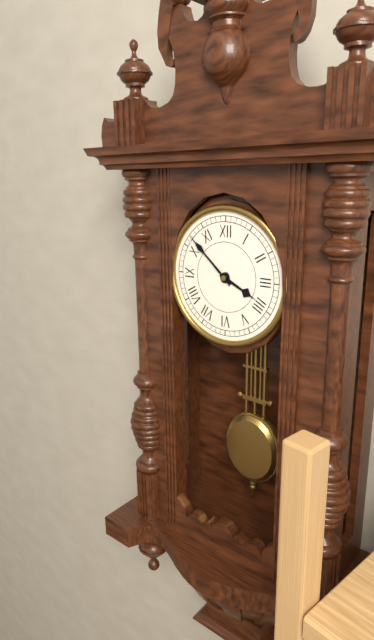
3:52
